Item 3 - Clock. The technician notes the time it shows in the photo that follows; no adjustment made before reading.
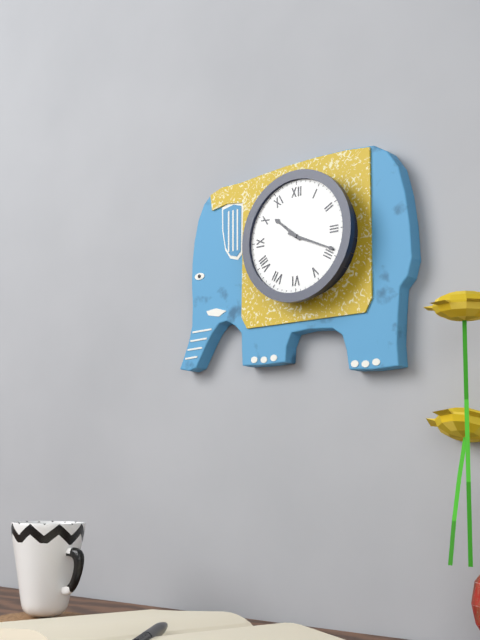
10:19
